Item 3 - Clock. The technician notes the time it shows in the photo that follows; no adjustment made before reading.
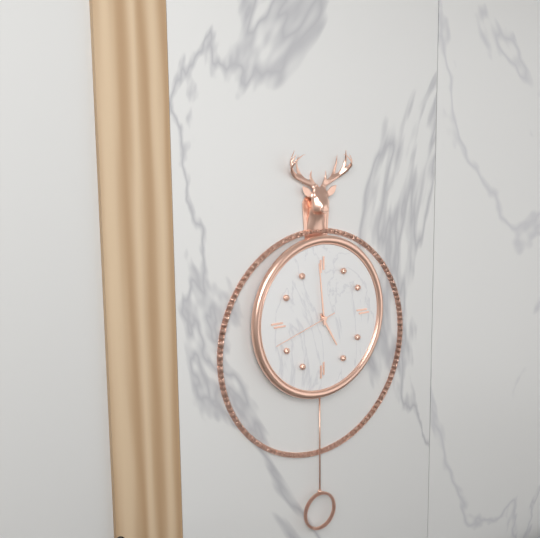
4:59:42
